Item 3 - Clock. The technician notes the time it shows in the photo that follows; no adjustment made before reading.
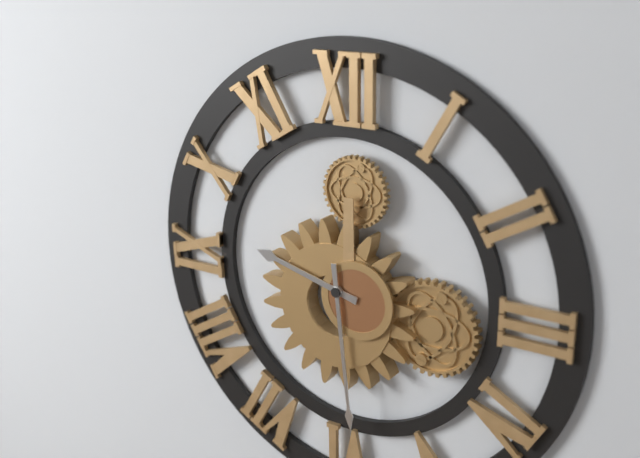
9:29
